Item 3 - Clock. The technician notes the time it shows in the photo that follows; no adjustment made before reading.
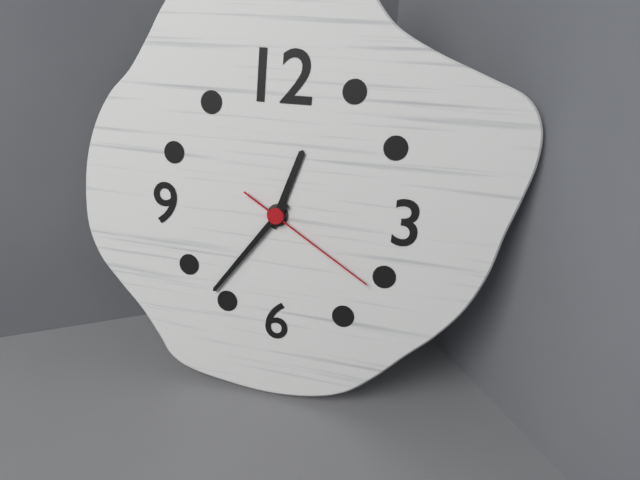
12:36:20
